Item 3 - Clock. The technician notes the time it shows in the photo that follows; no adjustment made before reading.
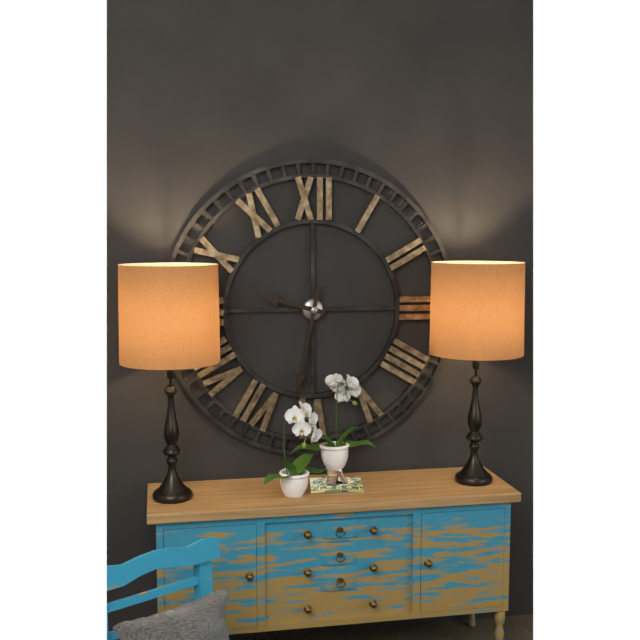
9:32
